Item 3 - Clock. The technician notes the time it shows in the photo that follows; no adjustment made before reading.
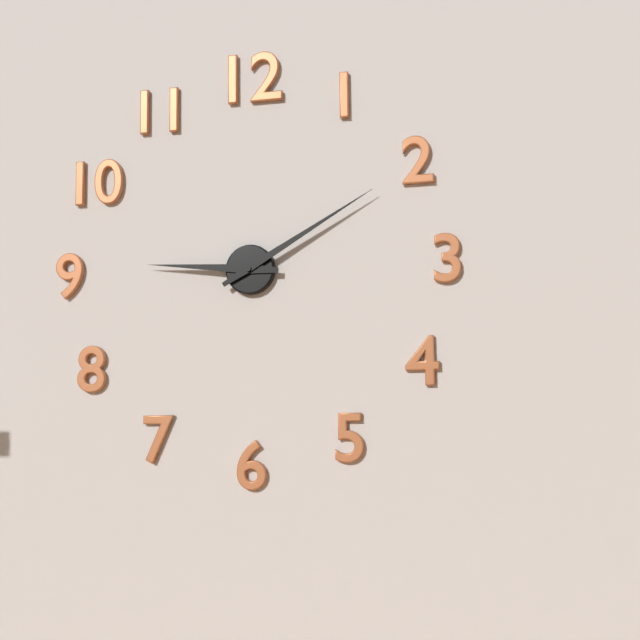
9:10
